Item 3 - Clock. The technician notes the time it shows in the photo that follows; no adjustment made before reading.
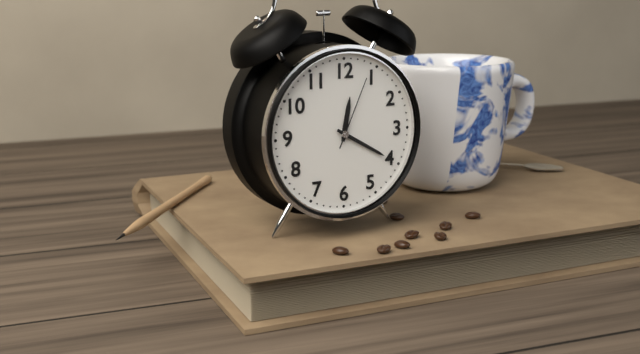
12:20:04
